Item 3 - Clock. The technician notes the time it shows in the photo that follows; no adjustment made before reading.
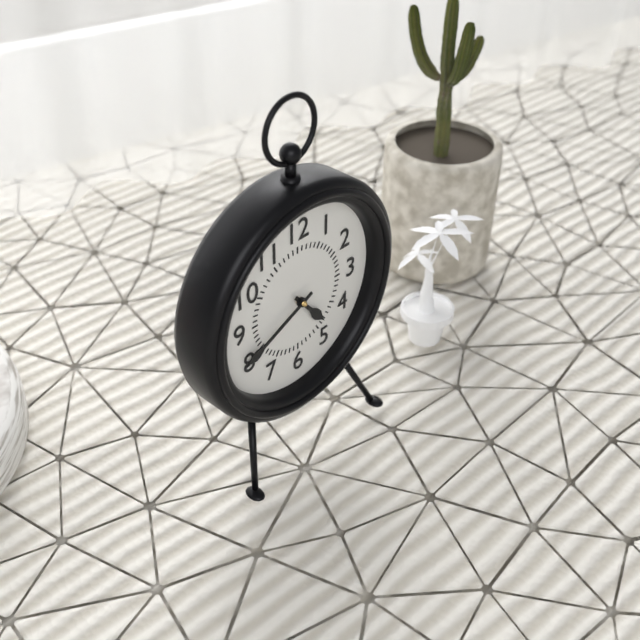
4:41
